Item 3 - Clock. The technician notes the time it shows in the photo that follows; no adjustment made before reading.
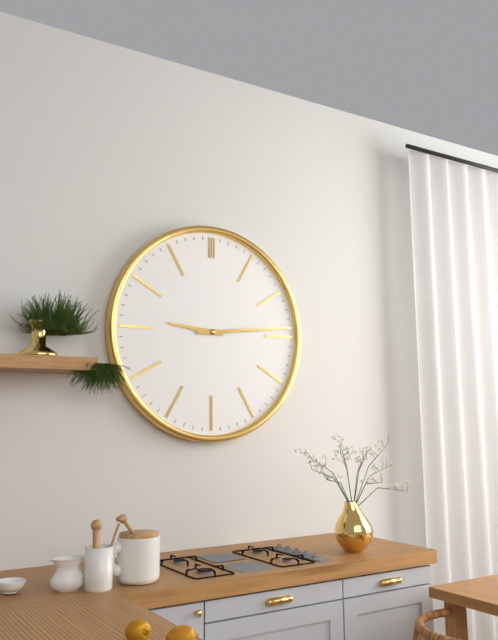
9:14
